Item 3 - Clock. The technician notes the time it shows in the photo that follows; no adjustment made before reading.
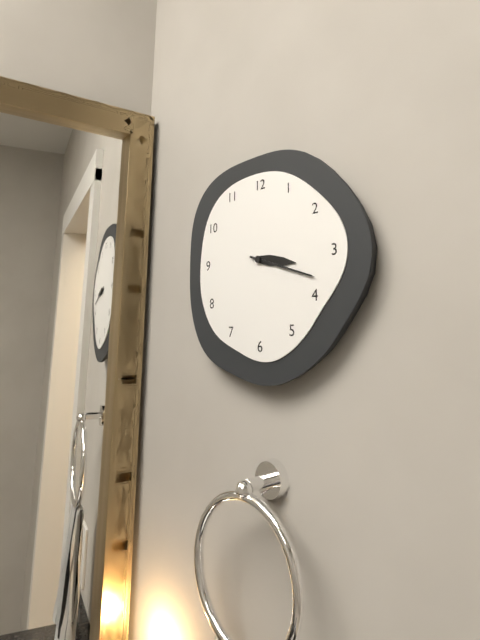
3:18
